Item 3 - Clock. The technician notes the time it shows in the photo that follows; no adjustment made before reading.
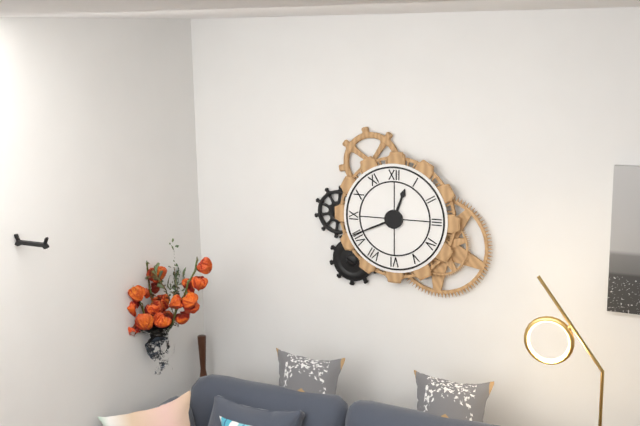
12:41
